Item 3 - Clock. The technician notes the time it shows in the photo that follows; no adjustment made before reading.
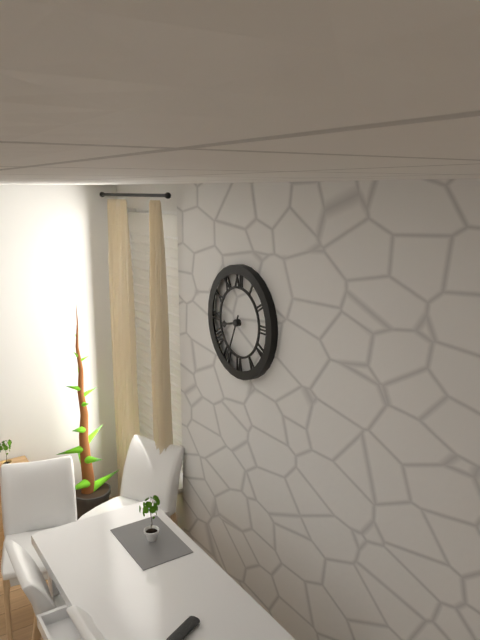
8:34
